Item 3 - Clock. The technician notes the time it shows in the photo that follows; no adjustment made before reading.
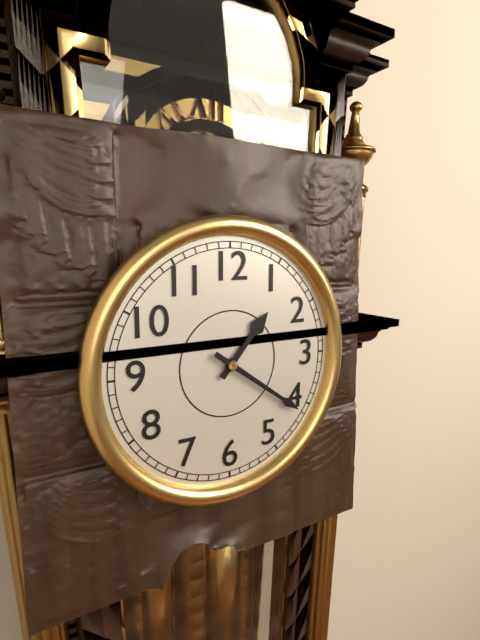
1:21
